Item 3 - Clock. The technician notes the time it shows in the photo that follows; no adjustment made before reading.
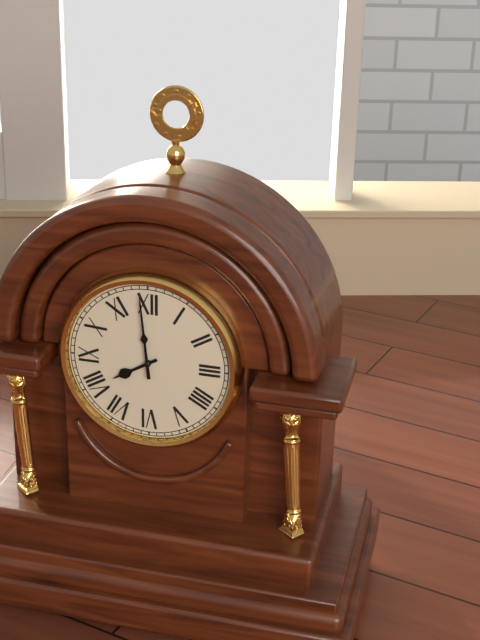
7:59
